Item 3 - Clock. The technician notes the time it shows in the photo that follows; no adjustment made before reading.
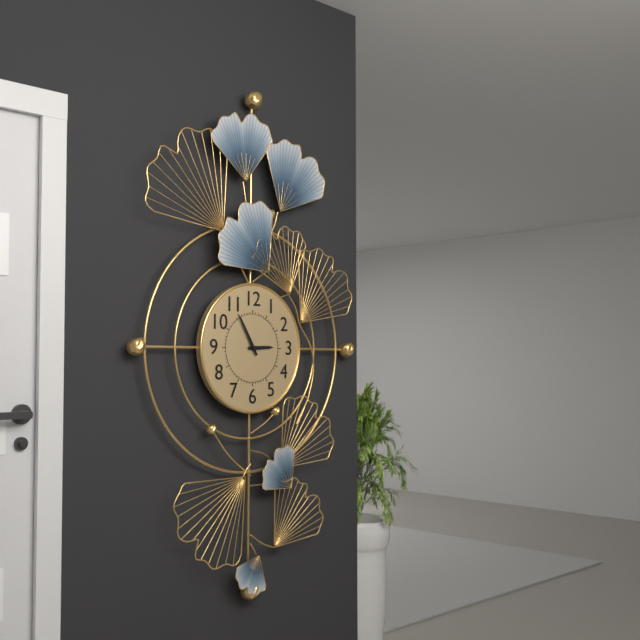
2:55
